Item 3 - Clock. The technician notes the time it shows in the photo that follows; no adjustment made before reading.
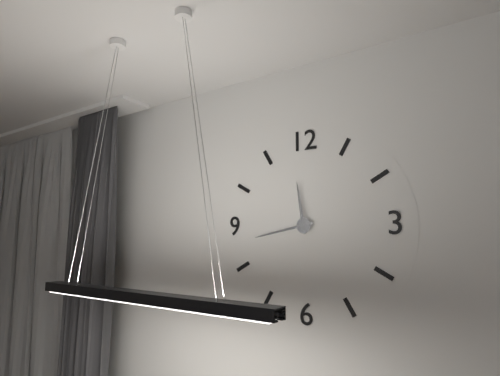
11:43
